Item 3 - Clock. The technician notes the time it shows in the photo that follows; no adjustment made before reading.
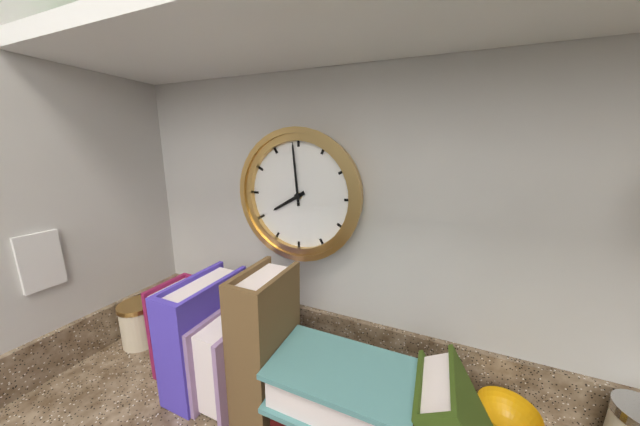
7:59
